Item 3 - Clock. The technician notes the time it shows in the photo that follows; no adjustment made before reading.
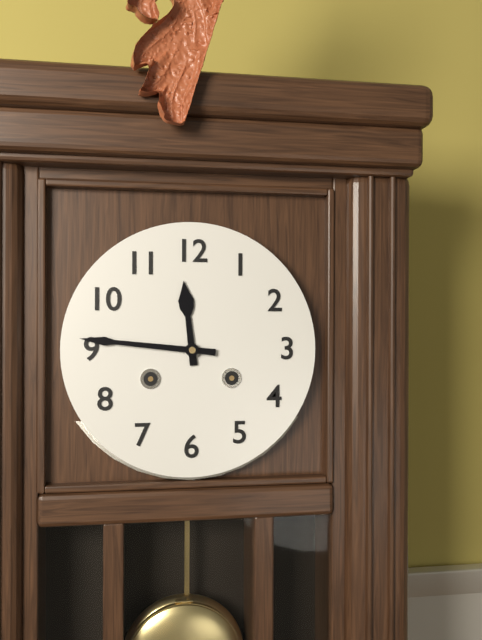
11:46
